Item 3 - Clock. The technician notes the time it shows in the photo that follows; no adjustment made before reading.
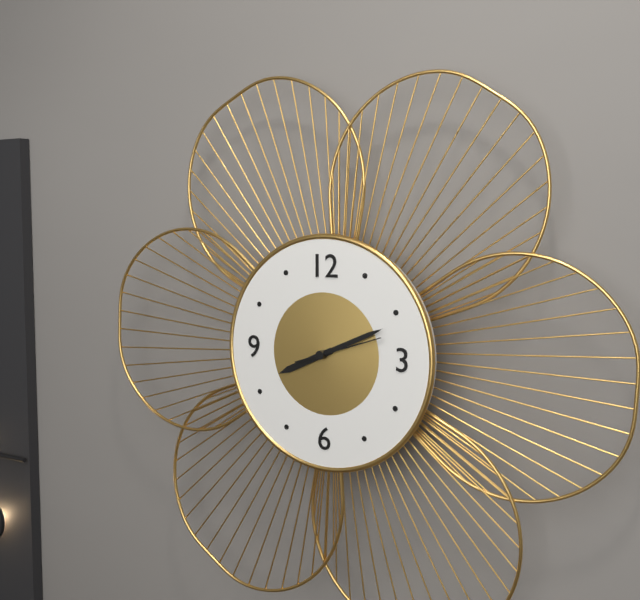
8:11:12
